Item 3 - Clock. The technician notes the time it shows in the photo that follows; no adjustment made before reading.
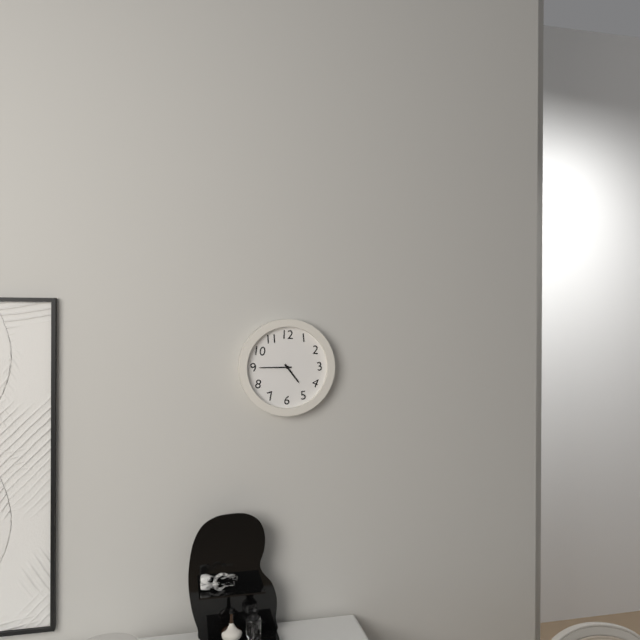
4:45
